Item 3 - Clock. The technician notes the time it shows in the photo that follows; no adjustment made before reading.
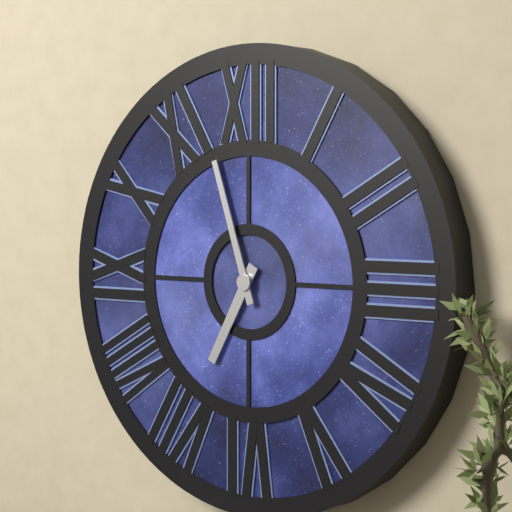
6:57
